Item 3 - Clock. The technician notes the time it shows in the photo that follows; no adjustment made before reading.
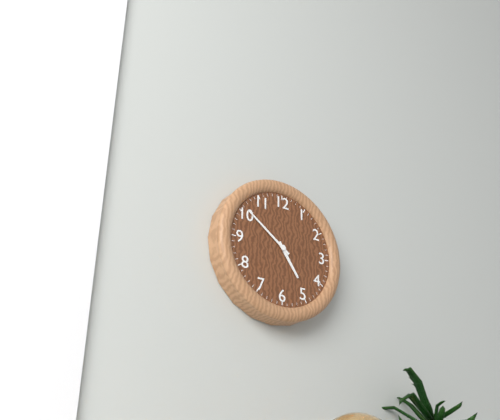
4:51
